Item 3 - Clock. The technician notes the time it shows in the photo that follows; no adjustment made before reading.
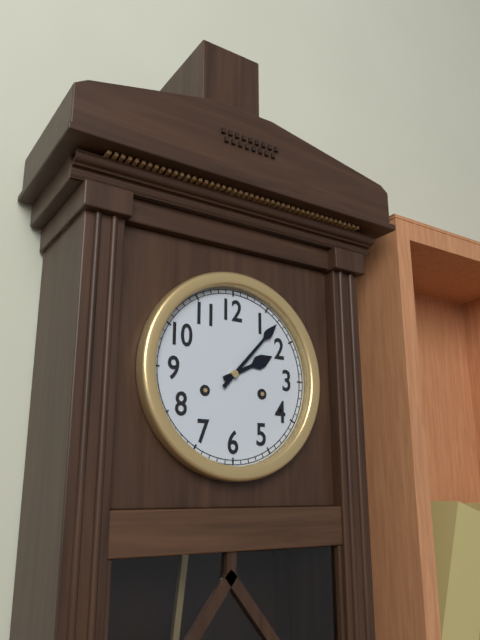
2:07
